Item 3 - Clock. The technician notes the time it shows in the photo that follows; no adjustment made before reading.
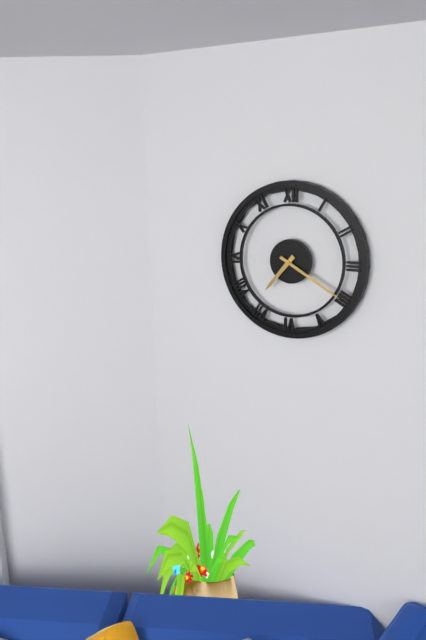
7:20
